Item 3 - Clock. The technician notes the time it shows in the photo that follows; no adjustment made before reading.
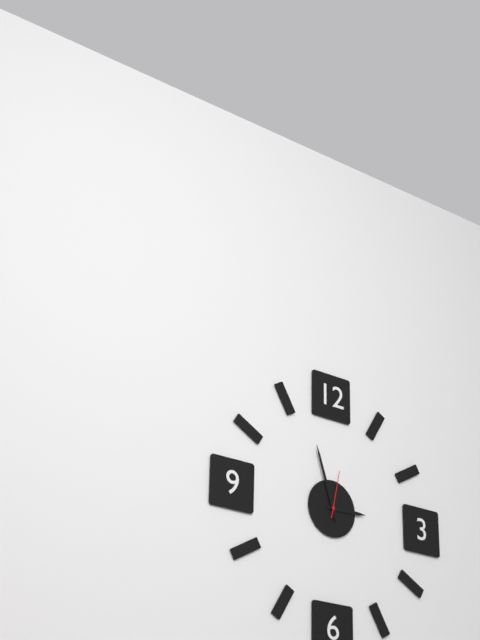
2:57
